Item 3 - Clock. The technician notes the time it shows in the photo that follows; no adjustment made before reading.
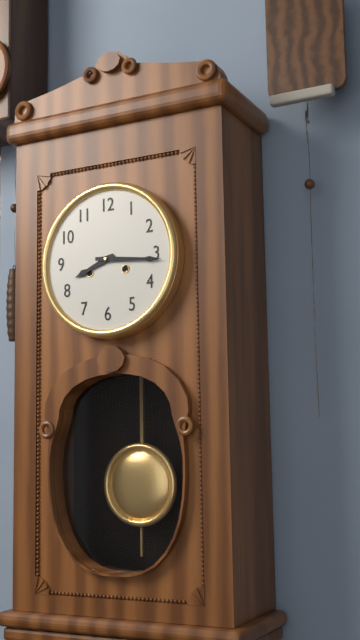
8:16
